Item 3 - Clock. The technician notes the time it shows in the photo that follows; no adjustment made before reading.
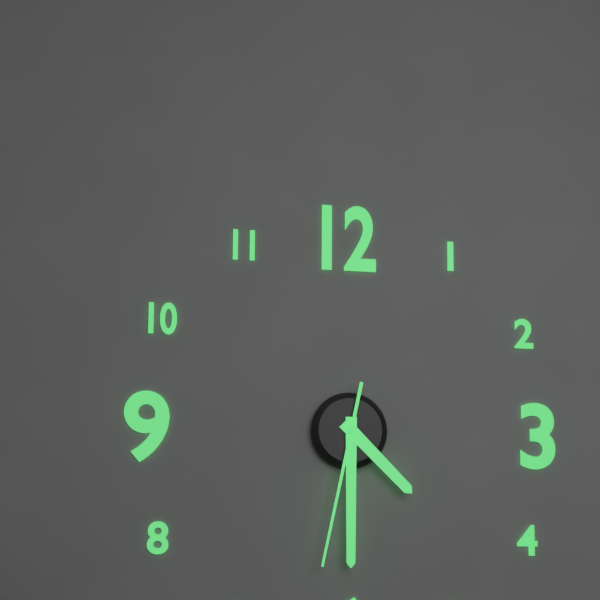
4:30:32
